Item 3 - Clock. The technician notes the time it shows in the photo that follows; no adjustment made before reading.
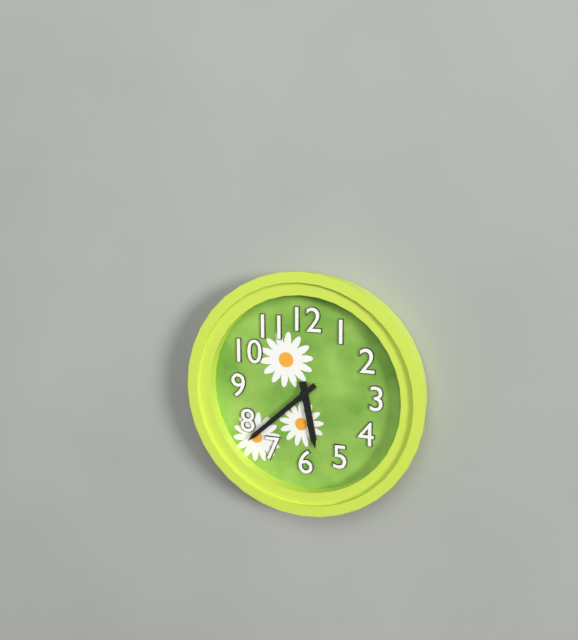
5:38
